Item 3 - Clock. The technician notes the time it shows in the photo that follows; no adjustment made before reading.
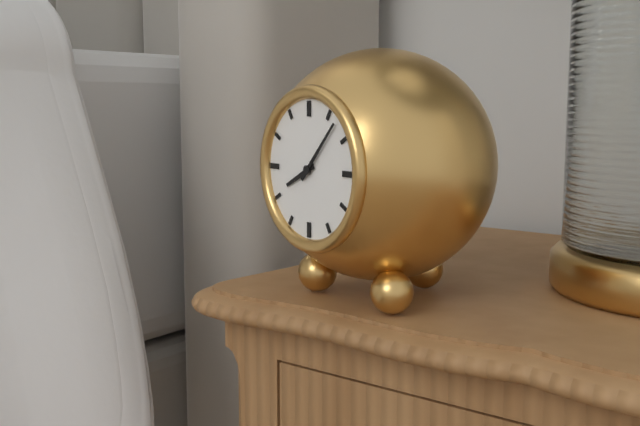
8:07
